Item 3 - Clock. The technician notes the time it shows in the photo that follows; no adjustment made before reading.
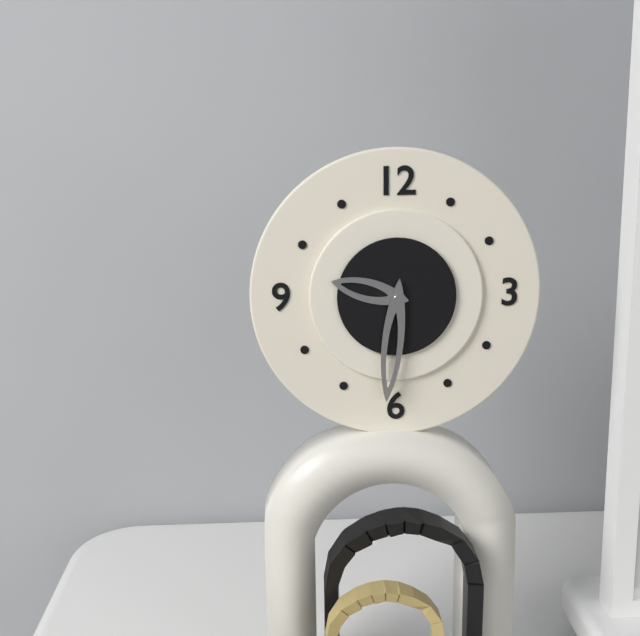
9:31
